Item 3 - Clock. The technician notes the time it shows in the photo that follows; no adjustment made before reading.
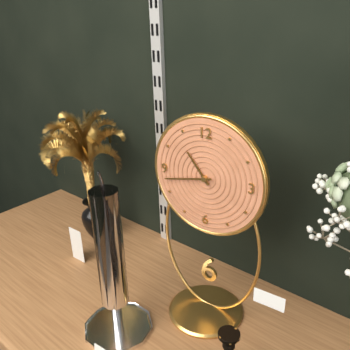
10:43
